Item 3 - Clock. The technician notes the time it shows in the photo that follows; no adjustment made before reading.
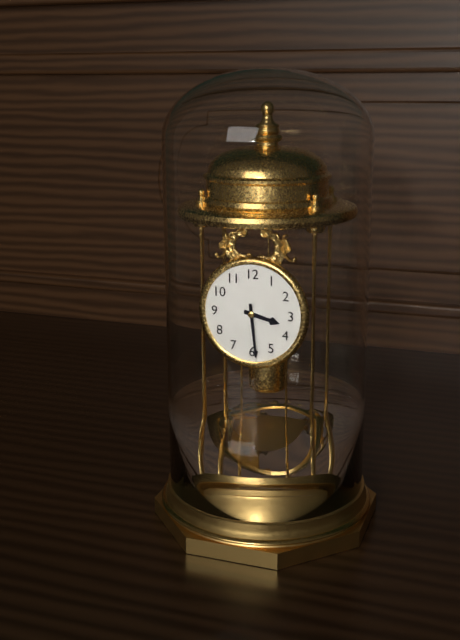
3:29
